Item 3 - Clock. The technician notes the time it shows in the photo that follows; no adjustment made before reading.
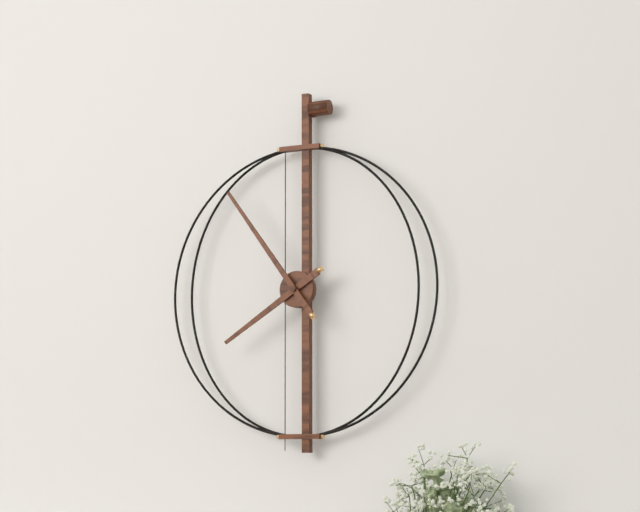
7:54
